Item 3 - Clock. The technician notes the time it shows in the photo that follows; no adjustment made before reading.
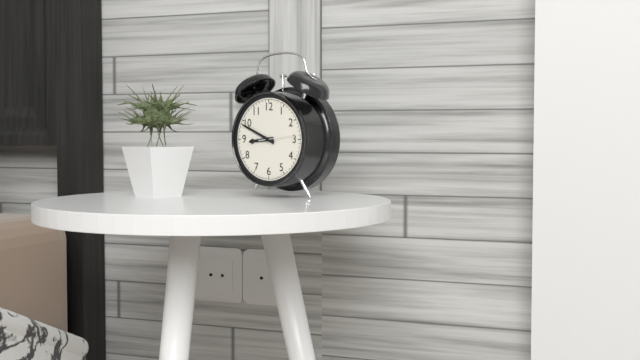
8:49
